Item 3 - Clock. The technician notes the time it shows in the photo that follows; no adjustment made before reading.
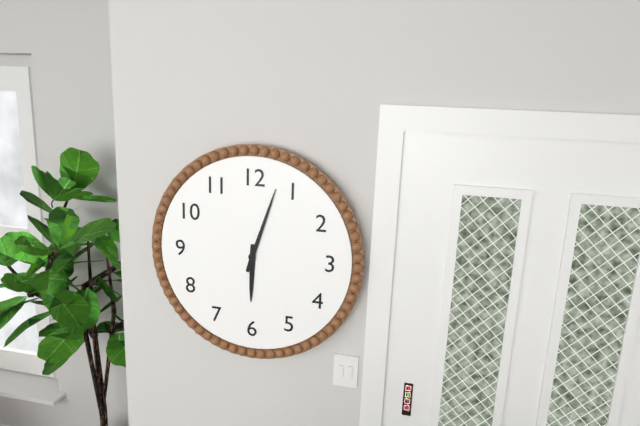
6:03
